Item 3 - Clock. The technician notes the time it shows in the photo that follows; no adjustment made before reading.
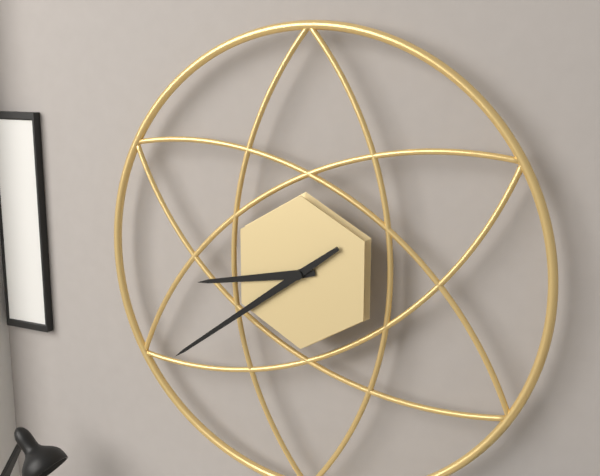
8:39
